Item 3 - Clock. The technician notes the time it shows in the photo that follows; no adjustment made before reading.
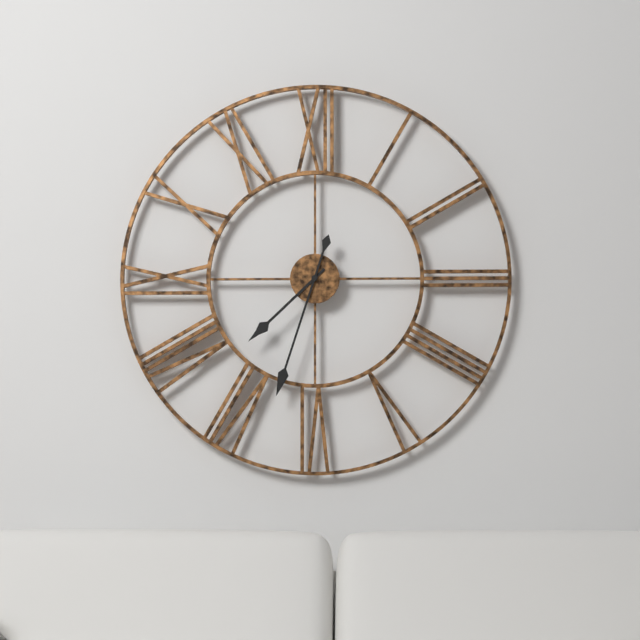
7:33
